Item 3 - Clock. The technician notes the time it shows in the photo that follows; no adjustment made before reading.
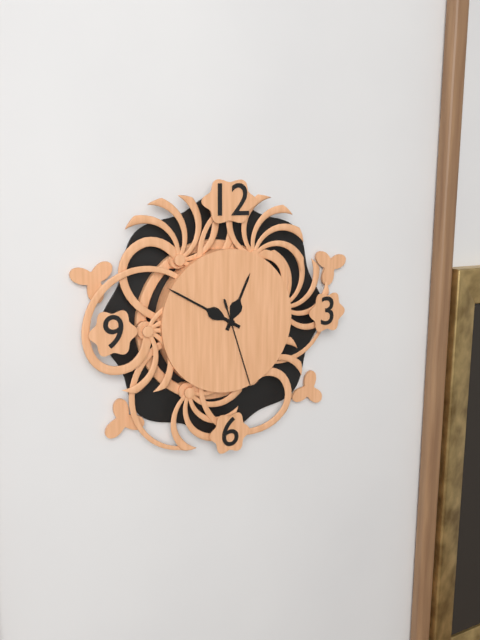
12:50:27
